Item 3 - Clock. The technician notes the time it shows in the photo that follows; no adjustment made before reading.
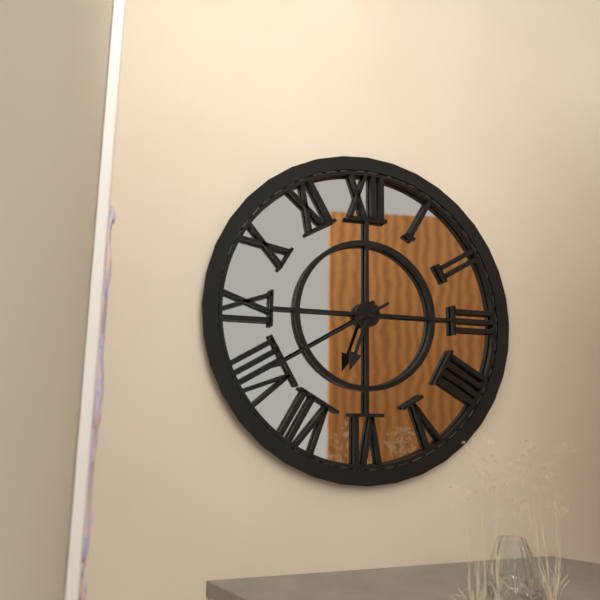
6:40
